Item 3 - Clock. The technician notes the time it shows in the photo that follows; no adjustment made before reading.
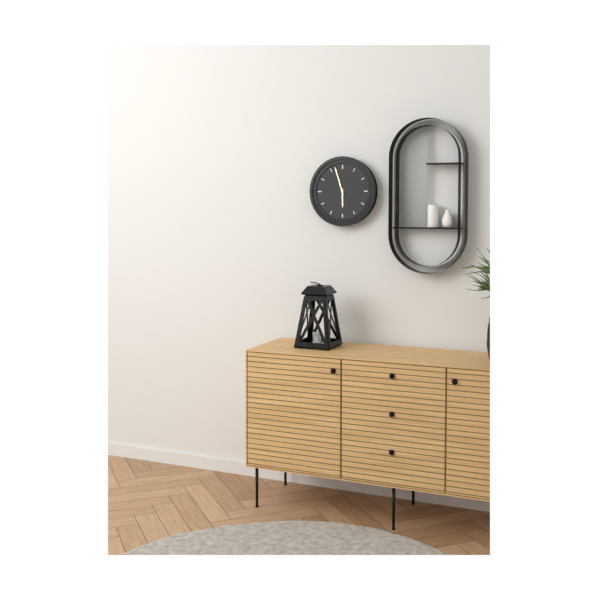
5:57
